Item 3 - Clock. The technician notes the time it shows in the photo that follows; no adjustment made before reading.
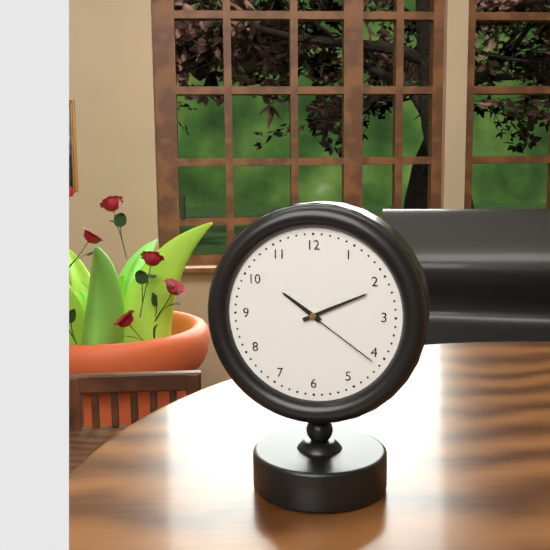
10:11:21
